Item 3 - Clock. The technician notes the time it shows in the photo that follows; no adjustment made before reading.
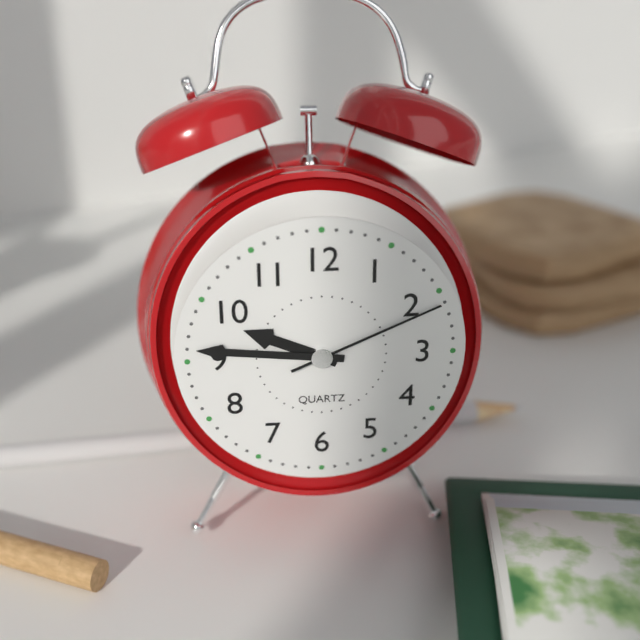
9:46:11
